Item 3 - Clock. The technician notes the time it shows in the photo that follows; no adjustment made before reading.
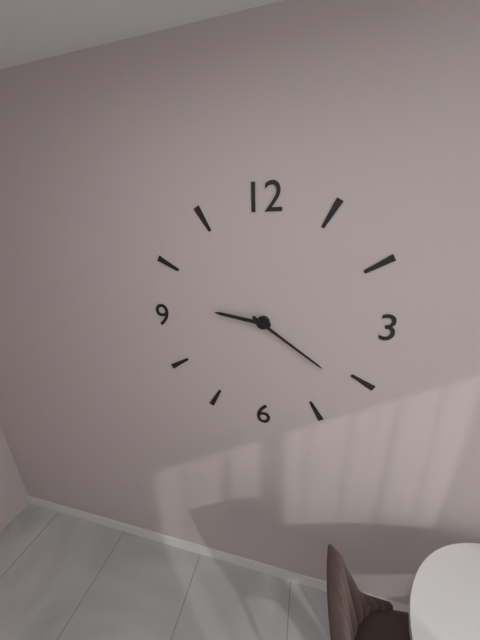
9:21
